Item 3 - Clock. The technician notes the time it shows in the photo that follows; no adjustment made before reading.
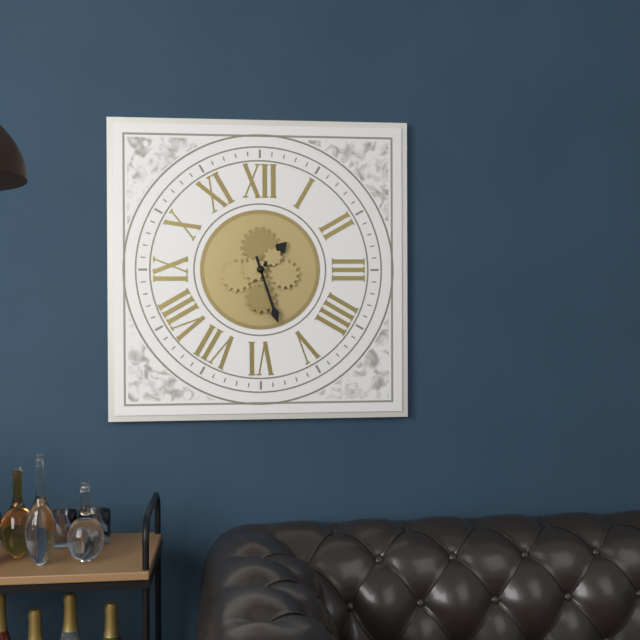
1:27
